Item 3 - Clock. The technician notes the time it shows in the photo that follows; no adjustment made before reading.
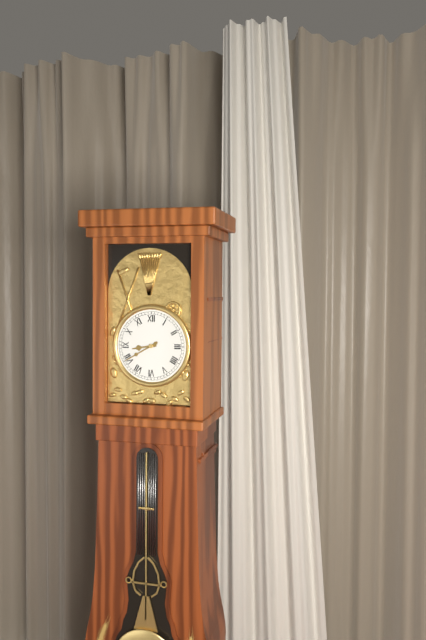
8:40
